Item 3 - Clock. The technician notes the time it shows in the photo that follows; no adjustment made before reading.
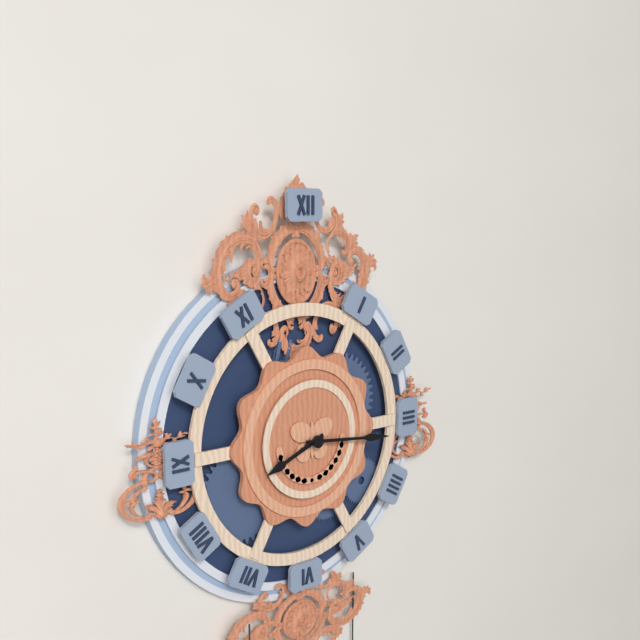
8:16
